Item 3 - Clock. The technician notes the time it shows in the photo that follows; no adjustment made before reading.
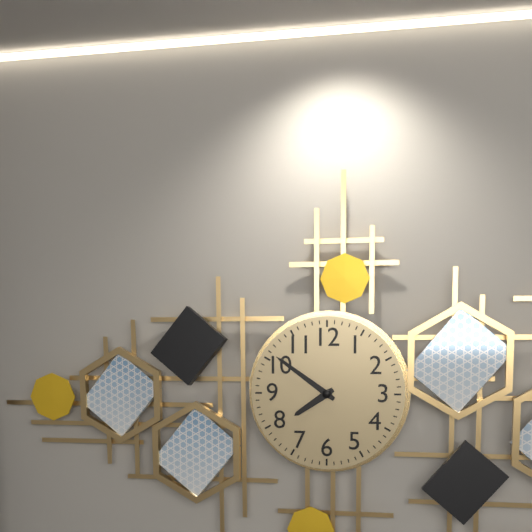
7:51
